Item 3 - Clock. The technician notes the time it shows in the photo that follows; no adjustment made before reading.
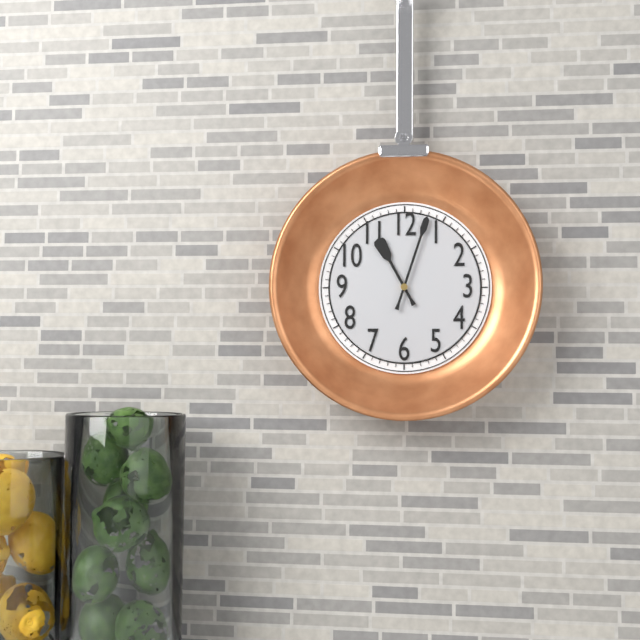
11:03
